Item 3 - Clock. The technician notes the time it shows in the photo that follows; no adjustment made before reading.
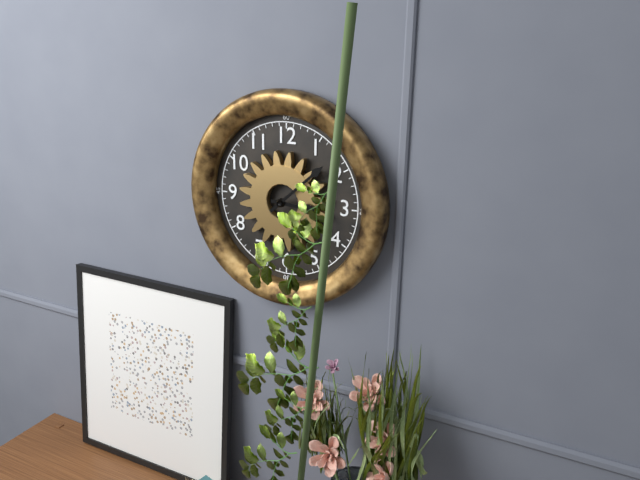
3:08
